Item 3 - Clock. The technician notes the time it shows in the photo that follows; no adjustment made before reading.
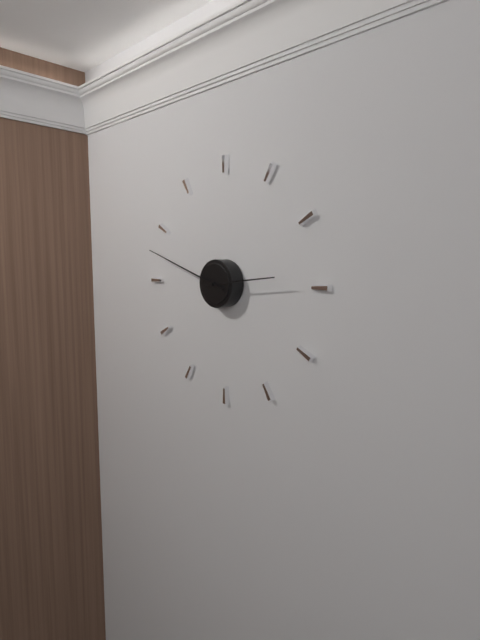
2:48
